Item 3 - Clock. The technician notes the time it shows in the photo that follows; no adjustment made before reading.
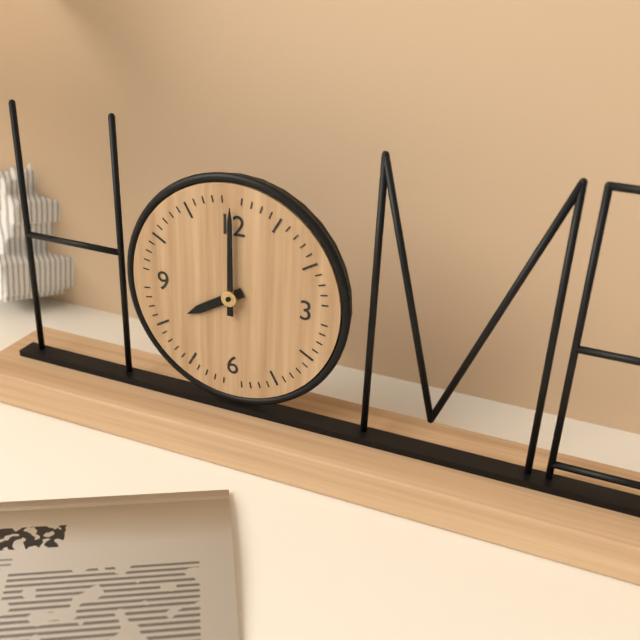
8:00
